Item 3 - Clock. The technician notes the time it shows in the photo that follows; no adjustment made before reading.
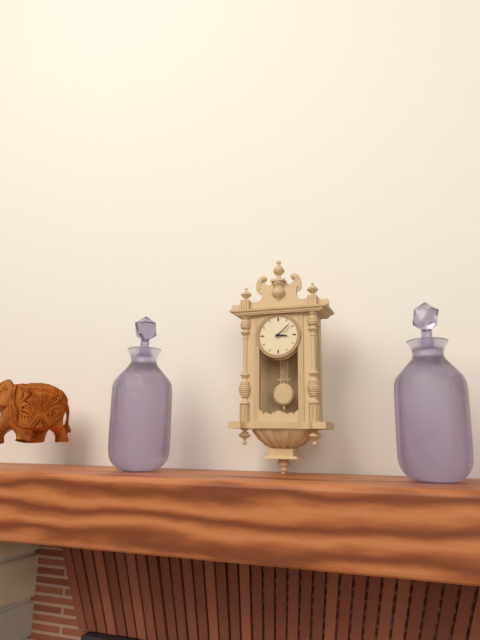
3:08
